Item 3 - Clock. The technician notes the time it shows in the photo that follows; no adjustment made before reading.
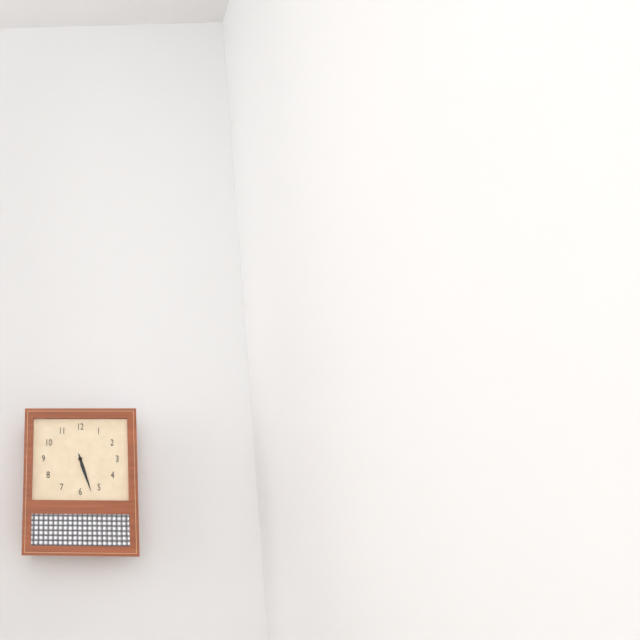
5:27
